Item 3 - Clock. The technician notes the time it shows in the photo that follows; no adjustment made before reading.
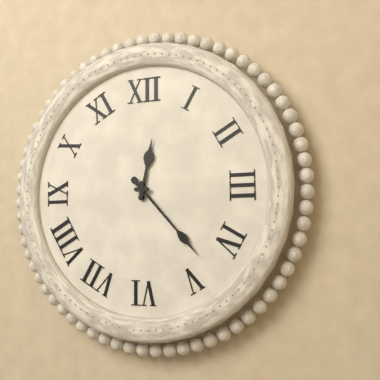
12:23
